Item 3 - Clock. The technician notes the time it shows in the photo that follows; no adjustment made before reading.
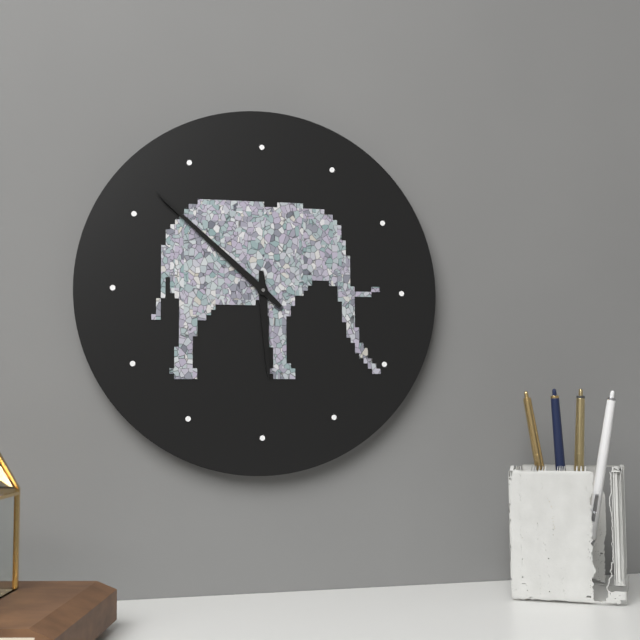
5:52
